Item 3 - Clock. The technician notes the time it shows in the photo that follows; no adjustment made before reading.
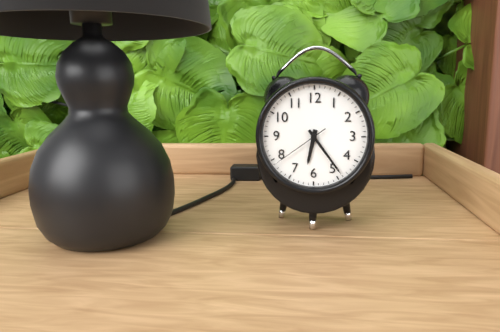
6:24:39
